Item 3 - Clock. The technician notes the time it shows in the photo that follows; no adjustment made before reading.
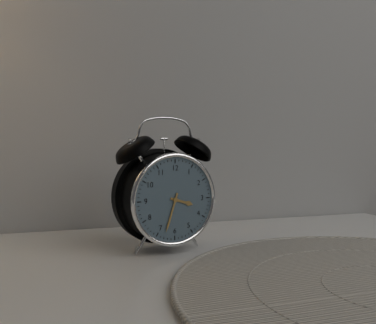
3:33
